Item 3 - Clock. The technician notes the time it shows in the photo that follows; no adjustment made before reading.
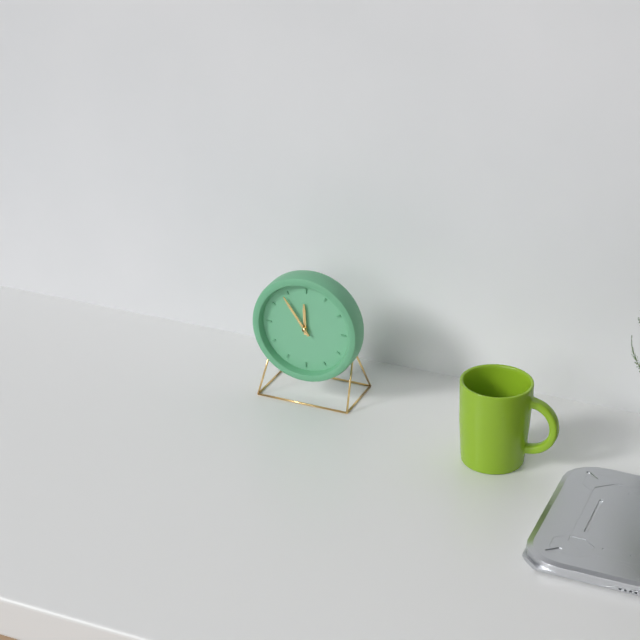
11:54
